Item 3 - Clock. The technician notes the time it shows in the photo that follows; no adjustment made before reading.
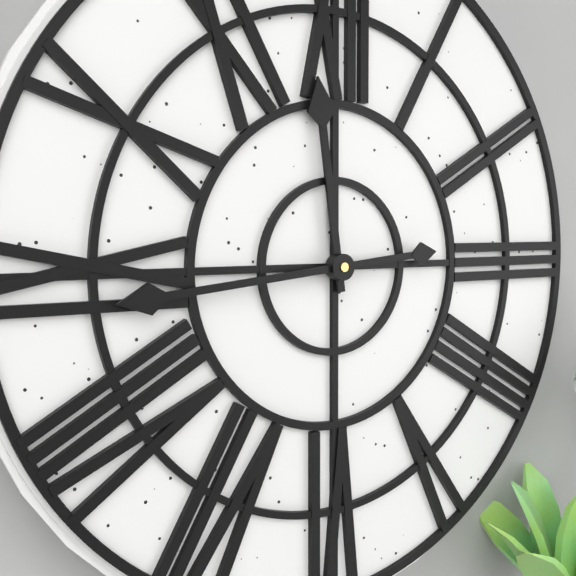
11:44
